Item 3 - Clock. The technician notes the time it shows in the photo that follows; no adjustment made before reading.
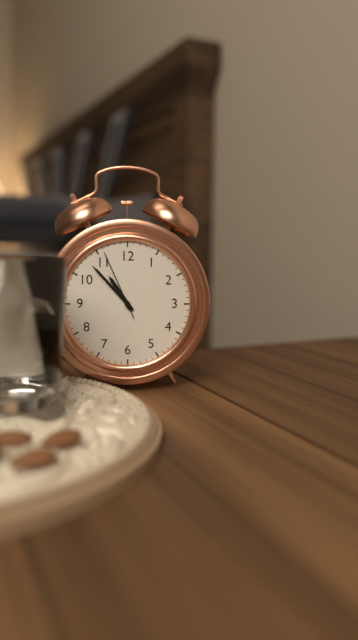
10:53:56
